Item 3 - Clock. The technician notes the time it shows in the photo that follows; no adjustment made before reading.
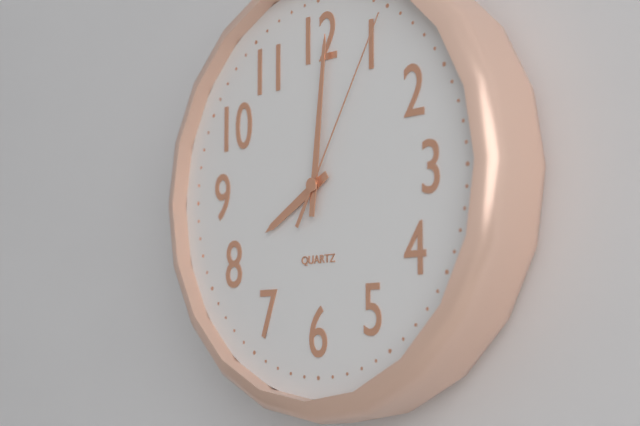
8:01:05
